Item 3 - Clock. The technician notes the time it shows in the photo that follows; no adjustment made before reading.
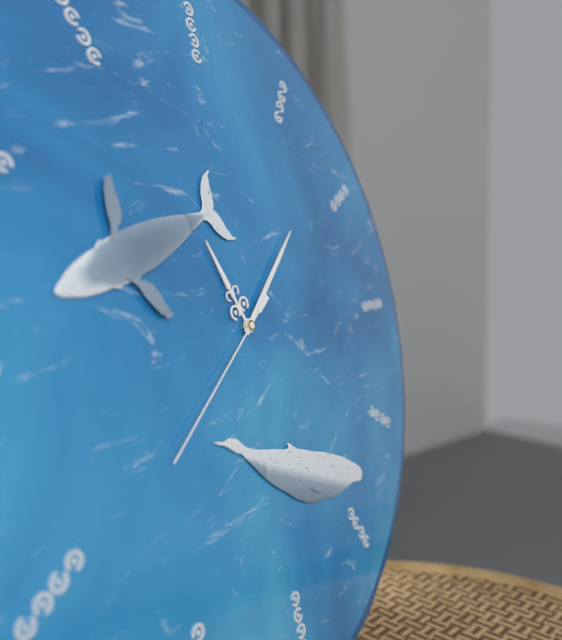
11:08:39
